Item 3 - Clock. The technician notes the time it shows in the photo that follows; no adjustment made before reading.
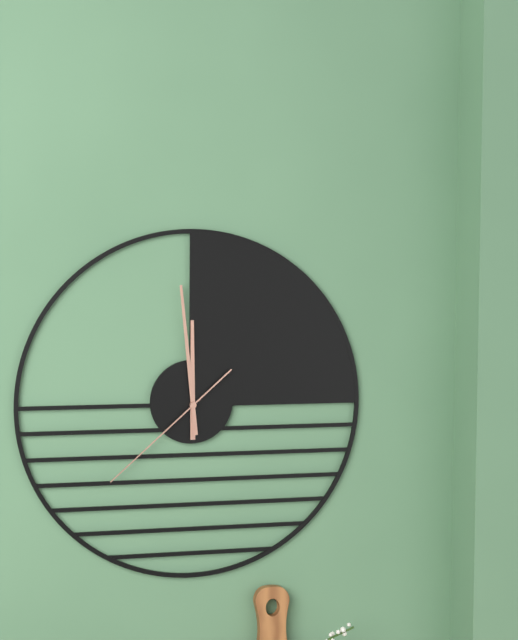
11:59:38
